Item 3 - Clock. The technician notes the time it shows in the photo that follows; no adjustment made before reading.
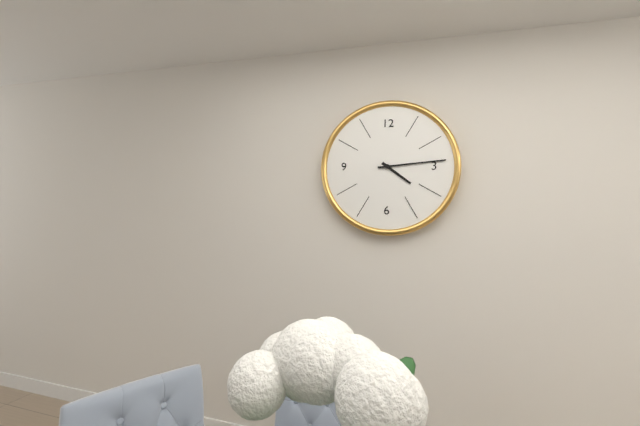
4:14
